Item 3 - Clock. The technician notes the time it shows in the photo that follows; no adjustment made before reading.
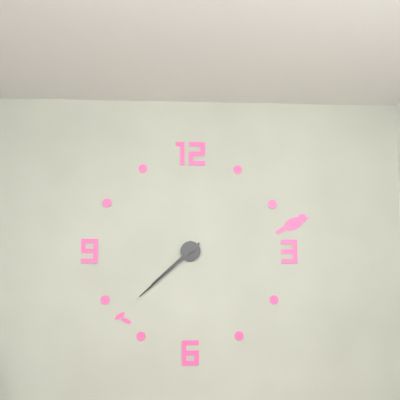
7:38
